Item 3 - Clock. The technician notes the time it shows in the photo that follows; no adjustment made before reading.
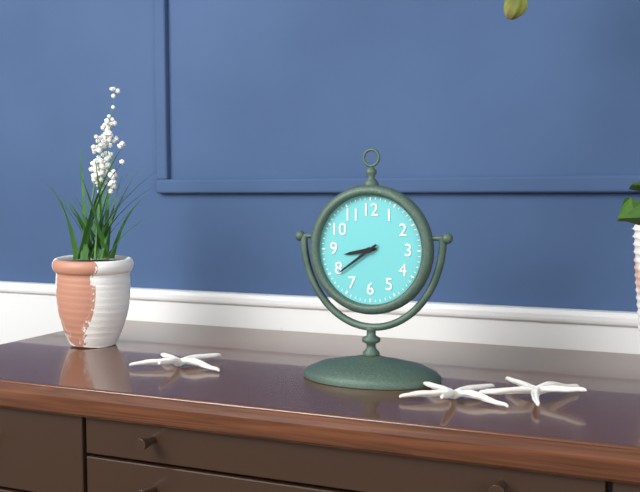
8:39
